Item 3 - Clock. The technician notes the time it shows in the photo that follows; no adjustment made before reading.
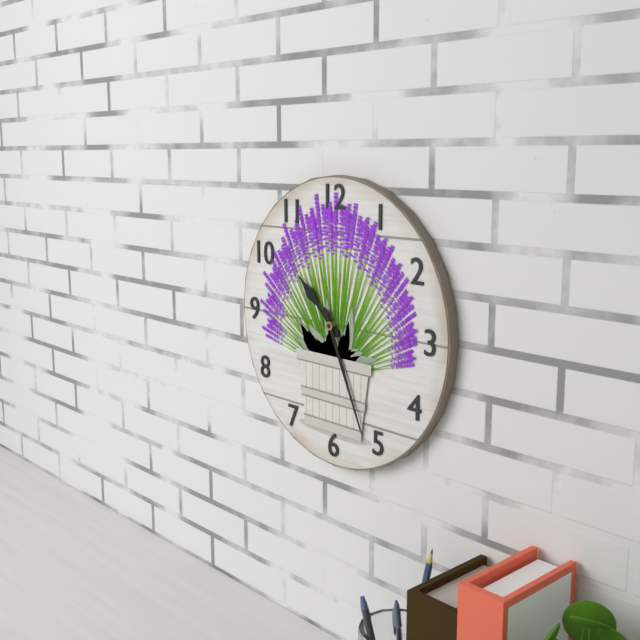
10:26
